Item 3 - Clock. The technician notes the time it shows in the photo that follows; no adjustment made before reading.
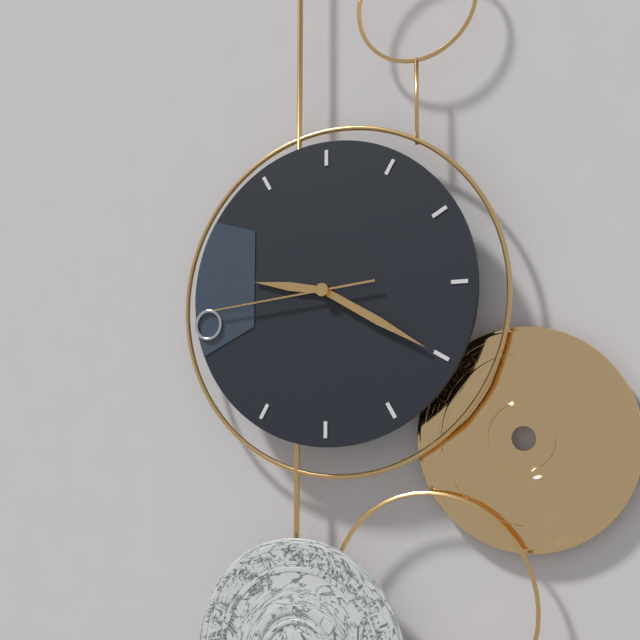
9:20:44
